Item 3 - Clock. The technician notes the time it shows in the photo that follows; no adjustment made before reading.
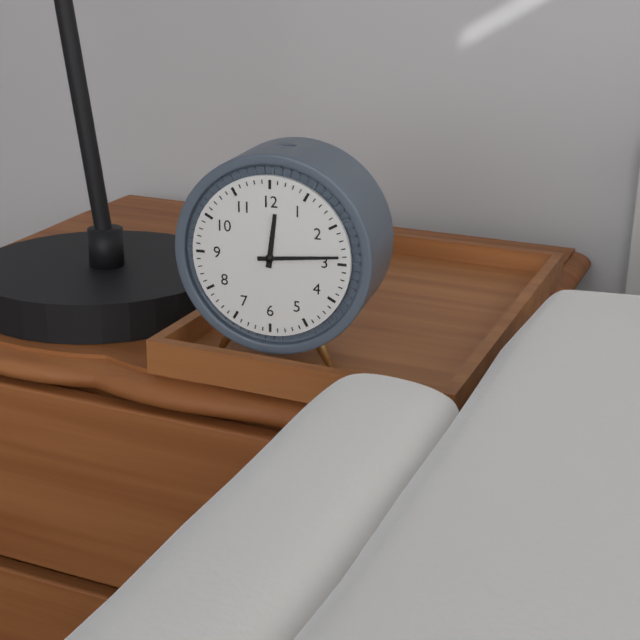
12:14
